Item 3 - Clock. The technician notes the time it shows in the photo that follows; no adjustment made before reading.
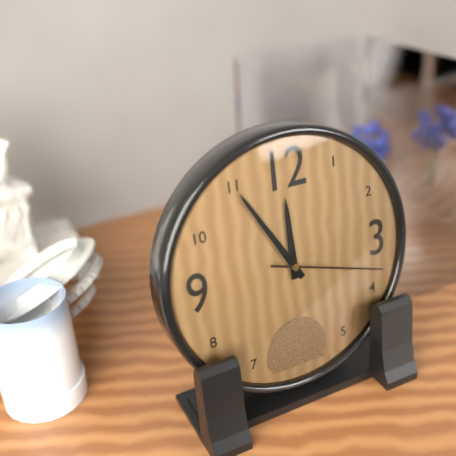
11:55:18
